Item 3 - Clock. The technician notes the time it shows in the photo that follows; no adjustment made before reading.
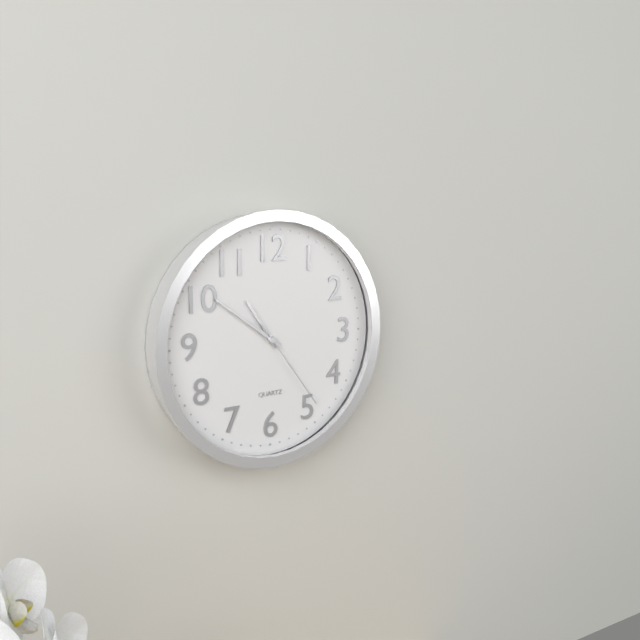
10:51:24
